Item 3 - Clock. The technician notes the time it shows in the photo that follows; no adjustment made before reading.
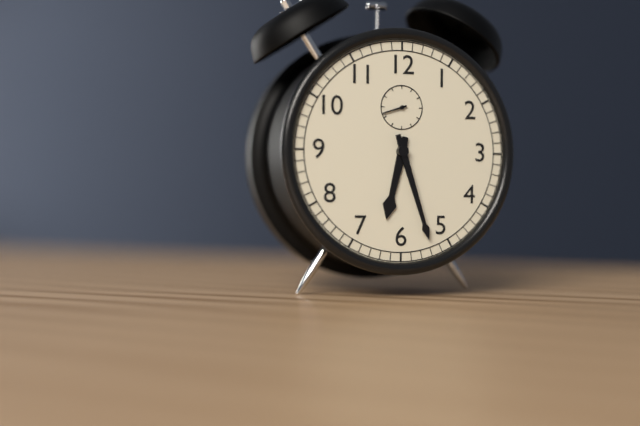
6:27
